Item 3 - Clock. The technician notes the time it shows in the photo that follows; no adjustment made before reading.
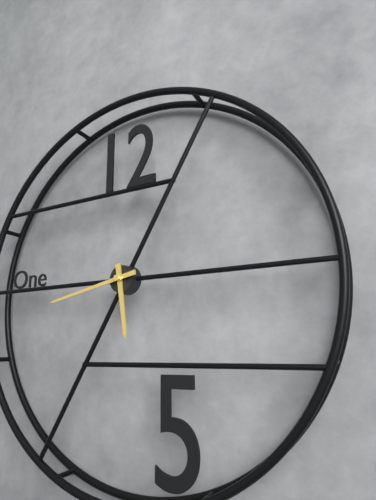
5:43
